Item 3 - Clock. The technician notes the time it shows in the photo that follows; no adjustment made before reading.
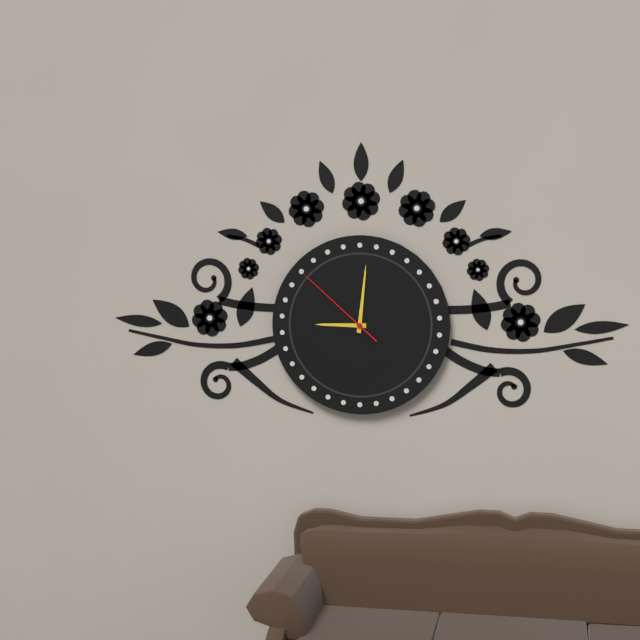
9:01:52
